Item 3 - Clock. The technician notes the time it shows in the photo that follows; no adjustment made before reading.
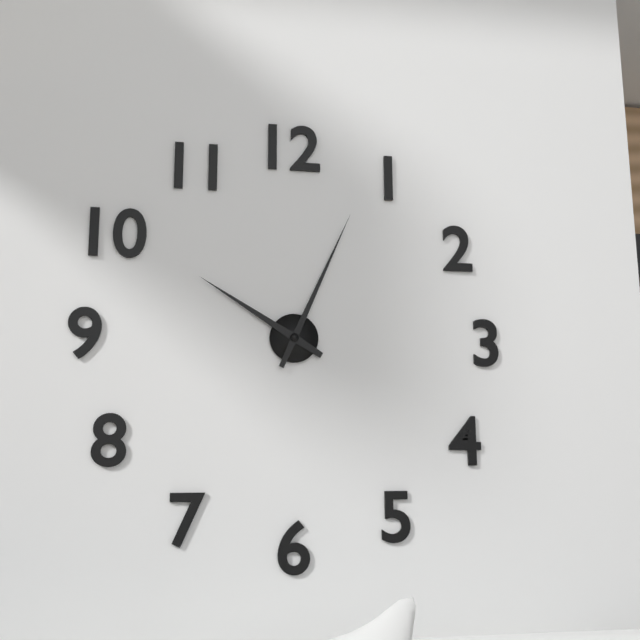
10:04
